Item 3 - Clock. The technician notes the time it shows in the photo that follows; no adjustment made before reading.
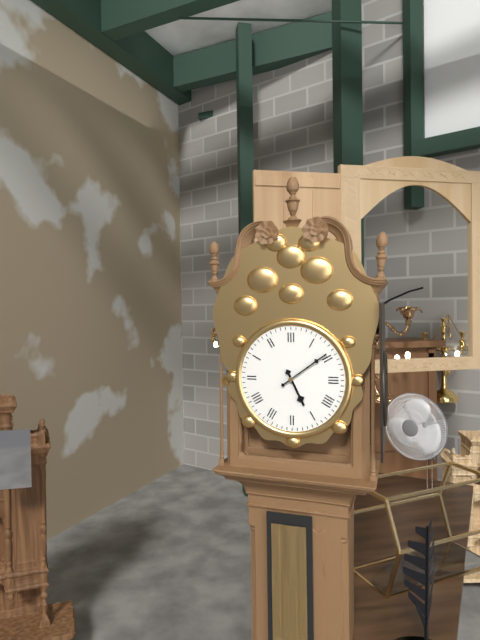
5:09
